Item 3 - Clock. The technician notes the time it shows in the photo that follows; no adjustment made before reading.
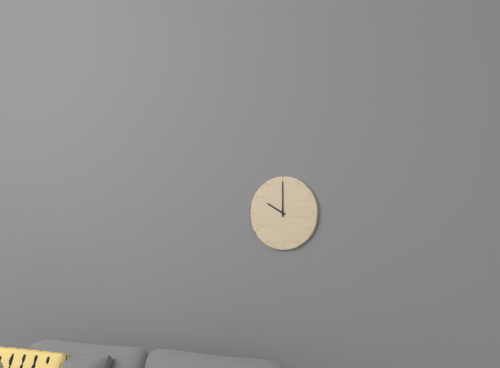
10:00
